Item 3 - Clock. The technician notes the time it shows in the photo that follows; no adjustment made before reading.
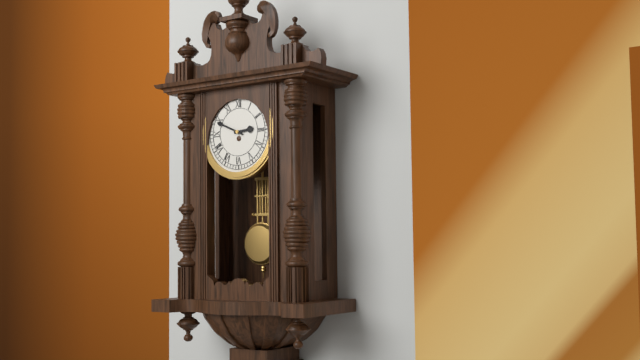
2:49
